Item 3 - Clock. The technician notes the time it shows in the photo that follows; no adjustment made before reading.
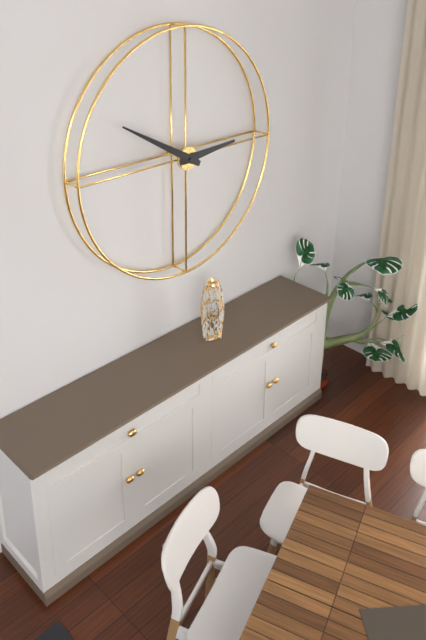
2:50
